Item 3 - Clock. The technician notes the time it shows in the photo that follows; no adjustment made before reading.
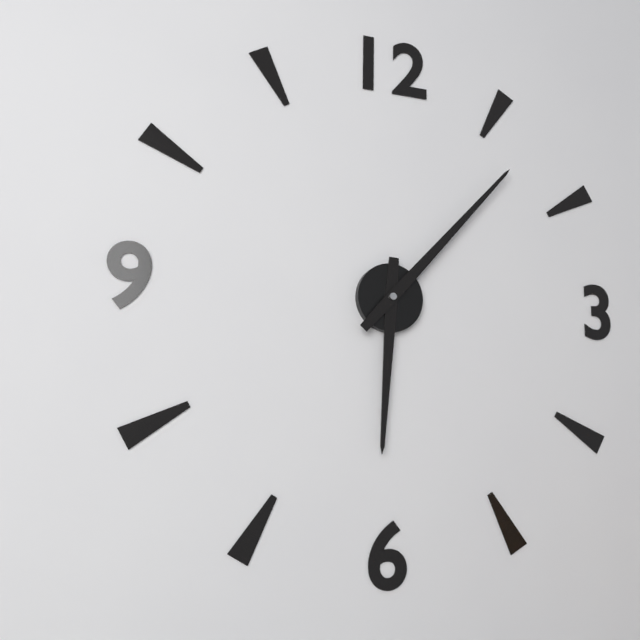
6:07
